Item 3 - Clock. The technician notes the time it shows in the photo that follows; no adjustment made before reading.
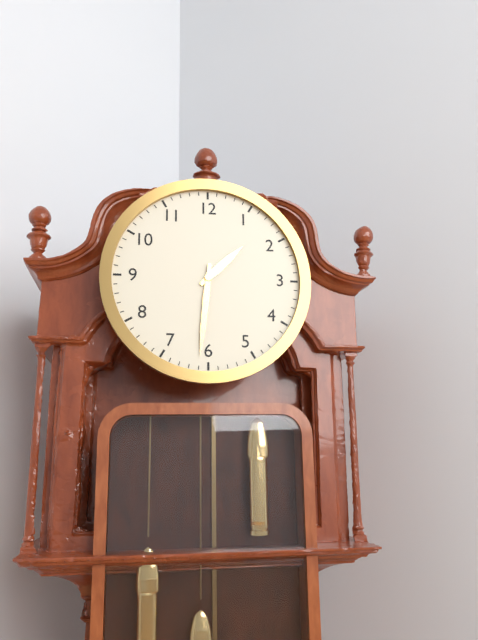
1:31
